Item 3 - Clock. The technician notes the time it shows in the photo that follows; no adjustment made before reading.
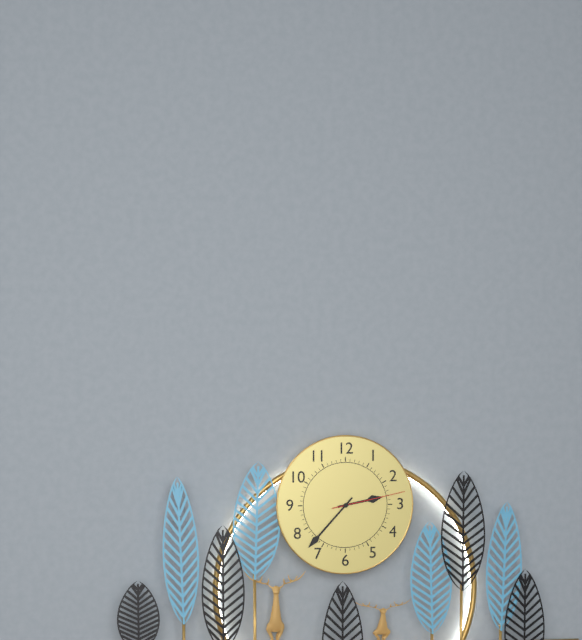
2:37:13
